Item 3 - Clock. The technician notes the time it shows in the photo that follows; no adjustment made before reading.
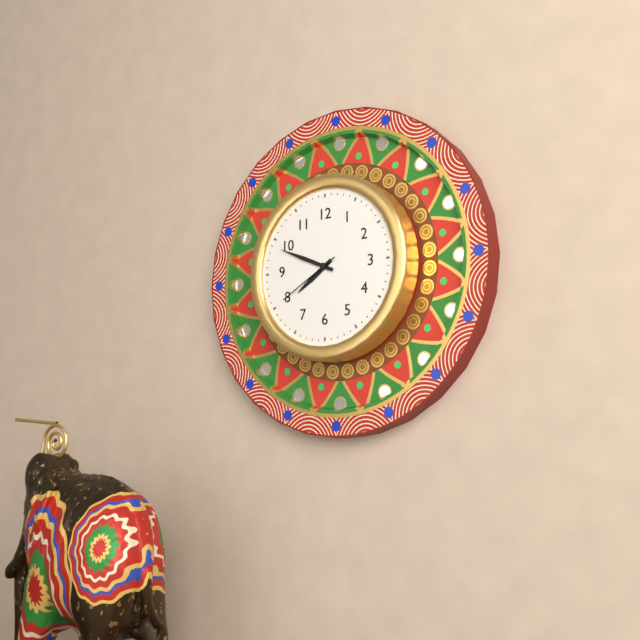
7:49:40
